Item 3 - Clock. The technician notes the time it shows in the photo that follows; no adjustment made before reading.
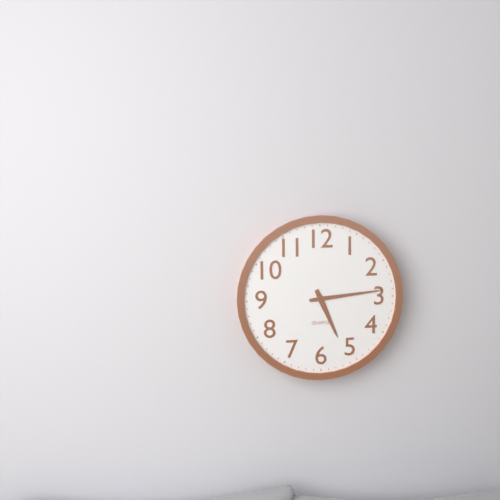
5:14
